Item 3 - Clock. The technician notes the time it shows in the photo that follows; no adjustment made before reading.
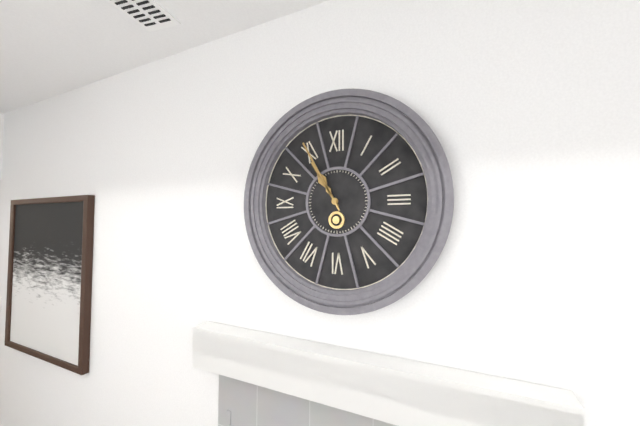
10:55
